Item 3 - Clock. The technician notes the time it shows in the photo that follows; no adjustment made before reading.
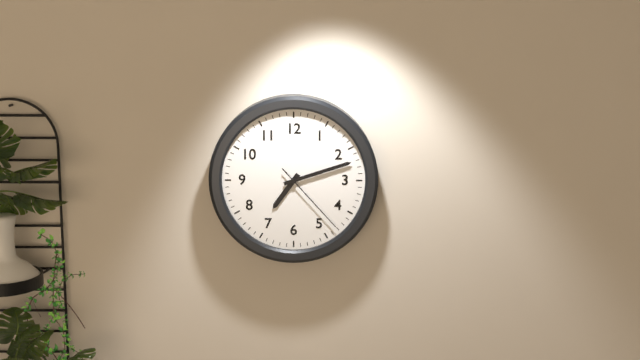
7:12:23
